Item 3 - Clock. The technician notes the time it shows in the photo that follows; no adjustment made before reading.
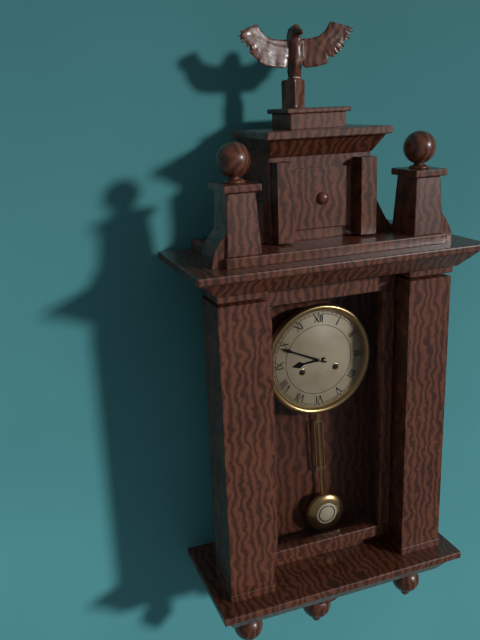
8:49
